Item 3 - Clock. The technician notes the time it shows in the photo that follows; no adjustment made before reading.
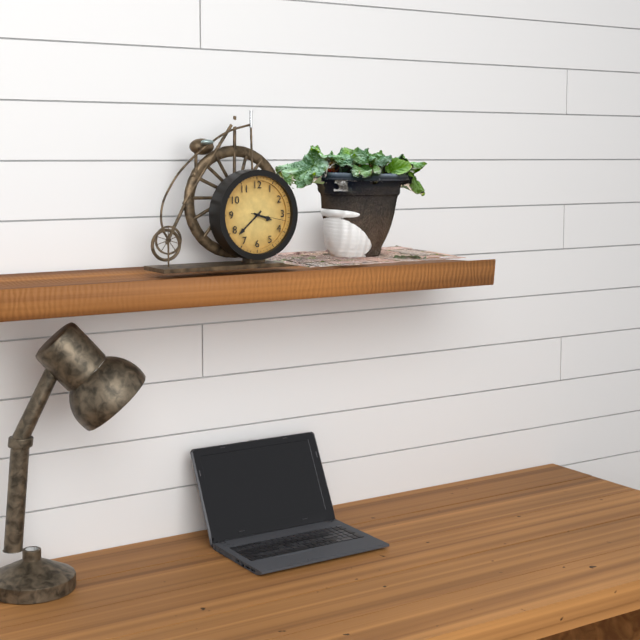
3:38
